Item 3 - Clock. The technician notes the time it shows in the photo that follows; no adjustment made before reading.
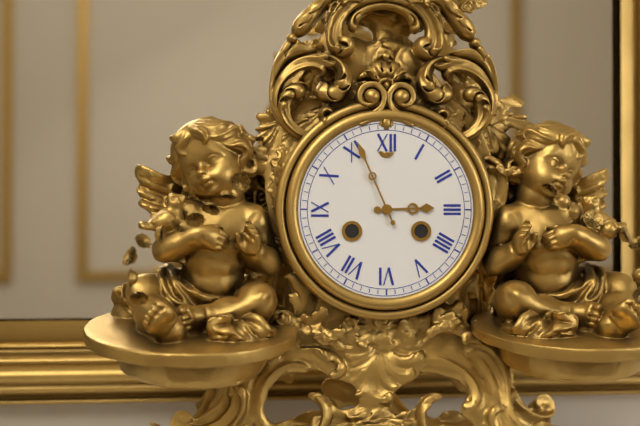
2:56
